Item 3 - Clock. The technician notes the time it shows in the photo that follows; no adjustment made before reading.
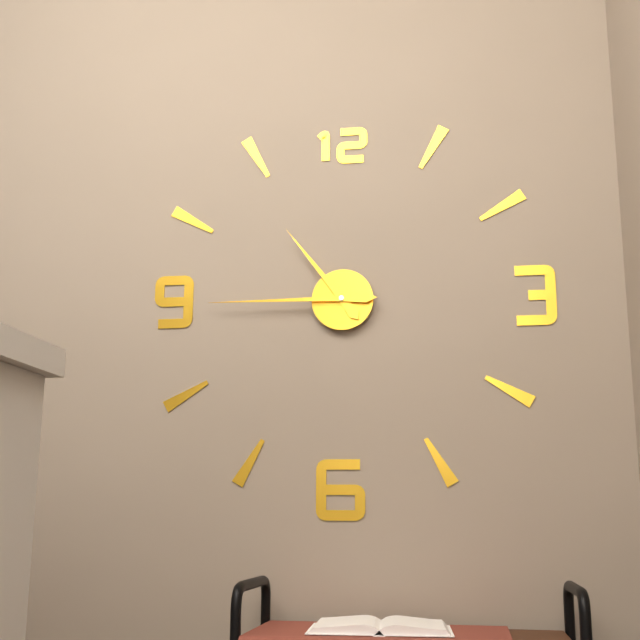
10:45
